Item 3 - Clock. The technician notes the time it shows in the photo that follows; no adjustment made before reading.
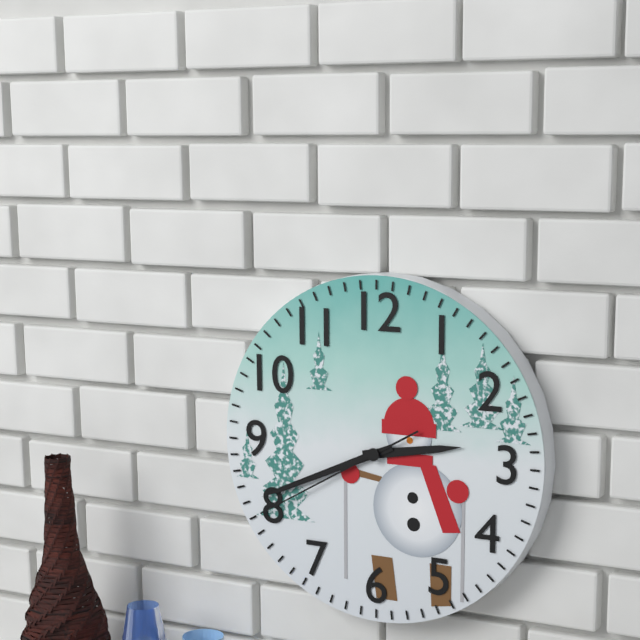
2:41:40
